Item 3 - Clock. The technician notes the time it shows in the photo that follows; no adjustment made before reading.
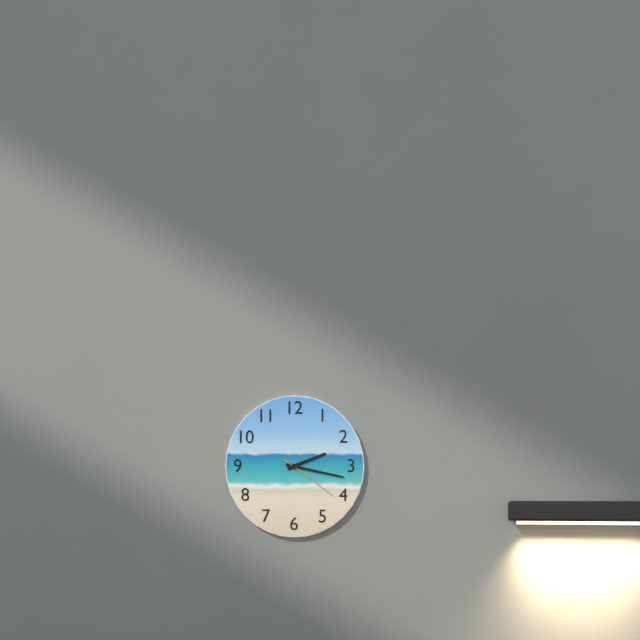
2:17:21
